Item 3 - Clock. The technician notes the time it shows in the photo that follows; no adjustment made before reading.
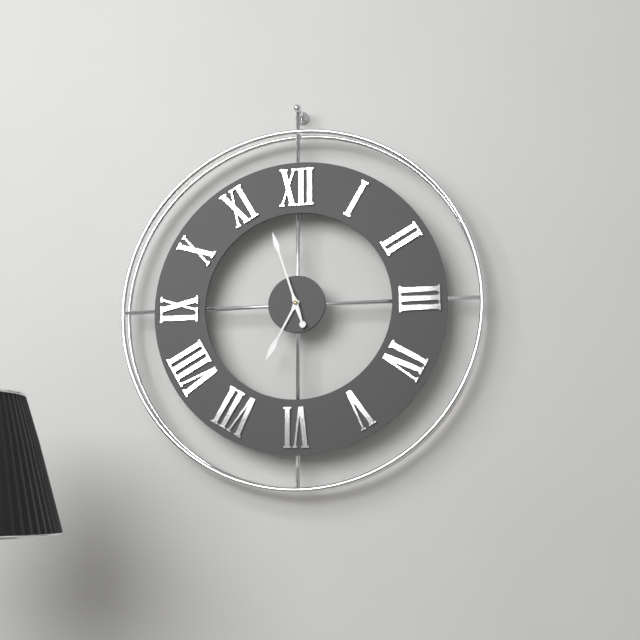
6:57
